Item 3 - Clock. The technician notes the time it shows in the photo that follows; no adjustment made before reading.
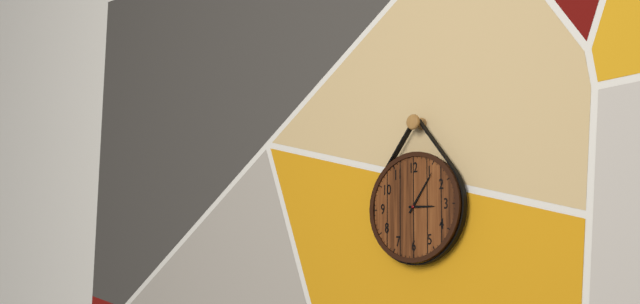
3:06
